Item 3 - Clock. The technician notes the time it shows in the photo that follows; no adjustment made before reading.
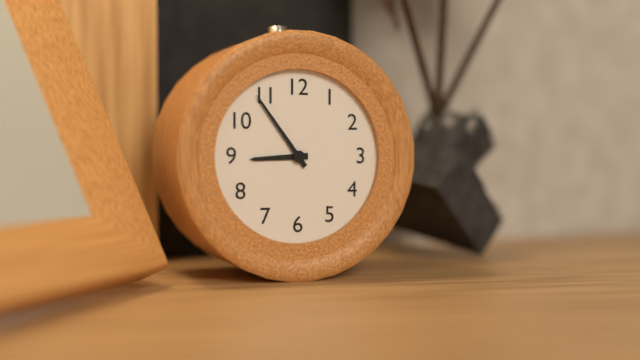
8:54
